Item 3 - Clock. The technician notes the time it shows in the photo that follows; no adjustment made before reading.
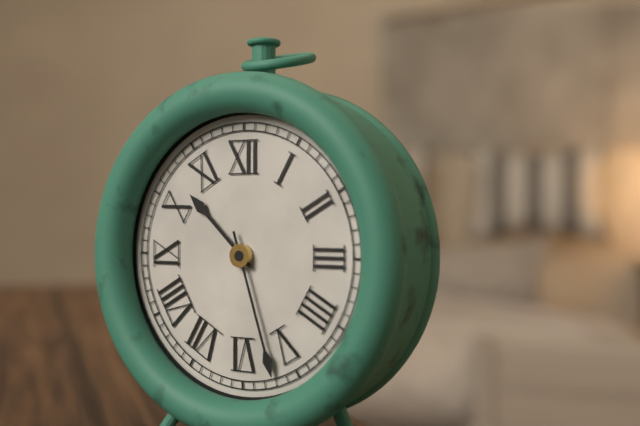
10:27
